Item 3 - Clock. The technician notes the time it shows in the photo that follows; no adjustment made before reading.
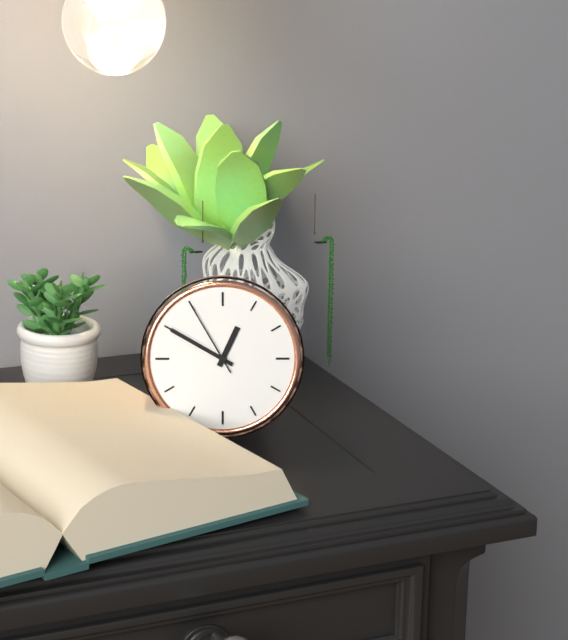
12:50:55
